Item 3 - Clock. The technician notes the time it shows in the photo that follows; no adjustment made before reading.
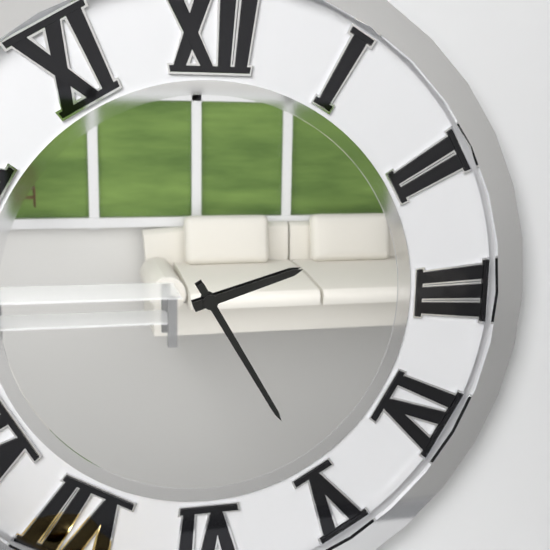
2:25
